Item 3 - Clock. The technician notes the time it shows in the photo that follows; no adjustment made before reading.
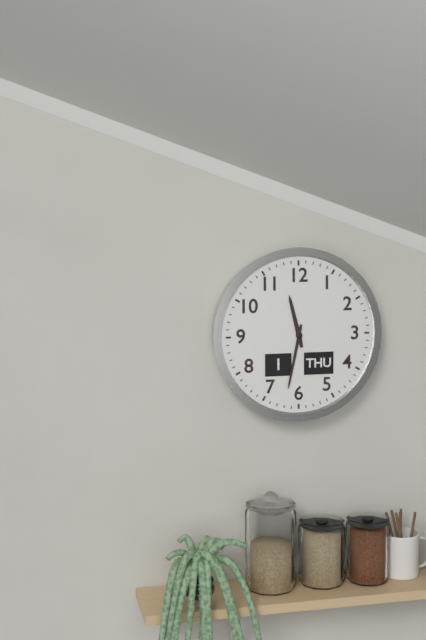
11:32
